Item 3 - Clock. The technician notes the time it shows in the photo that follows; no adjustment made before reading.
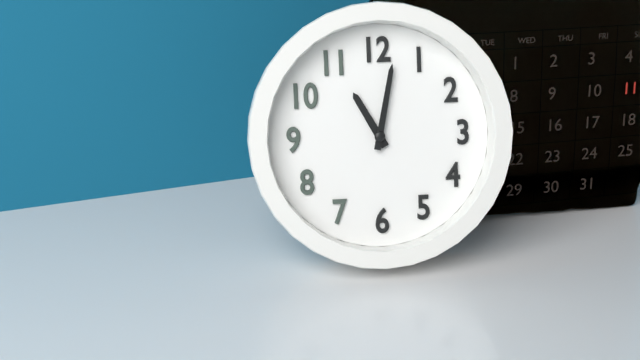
11:02
